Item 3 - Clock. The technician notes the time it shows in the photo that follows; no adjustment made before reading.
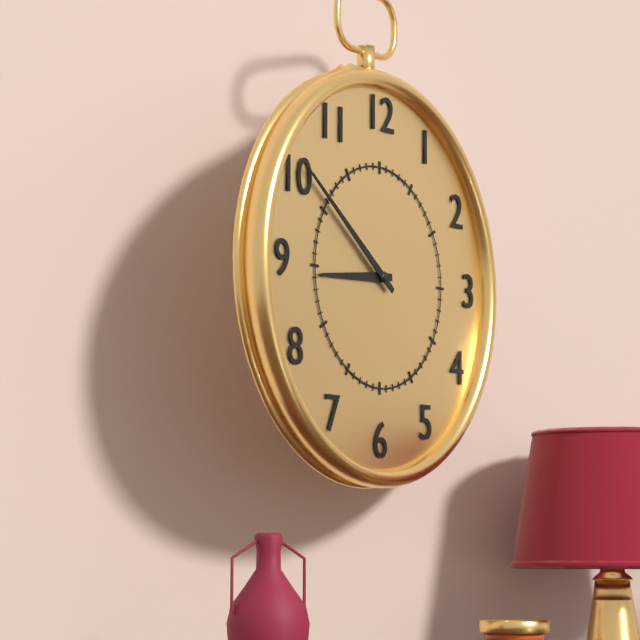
8:51
